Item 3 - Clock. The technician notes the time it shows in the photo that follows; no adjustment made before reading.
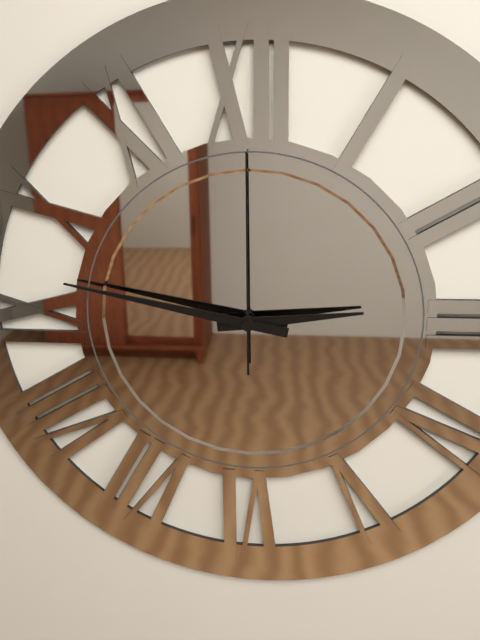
2:47:00
